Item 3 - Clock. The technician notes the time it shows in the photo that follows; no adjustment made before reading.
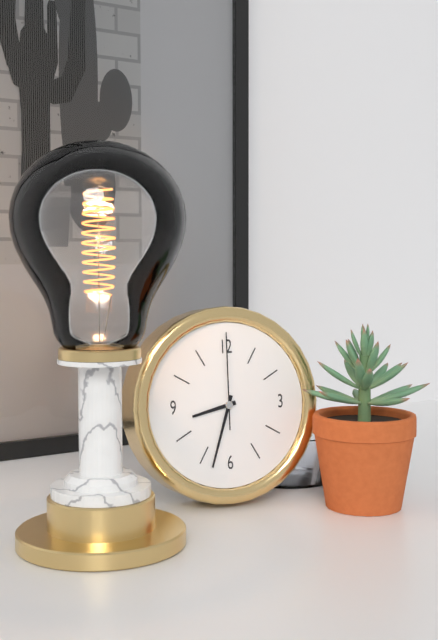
8:33:00
